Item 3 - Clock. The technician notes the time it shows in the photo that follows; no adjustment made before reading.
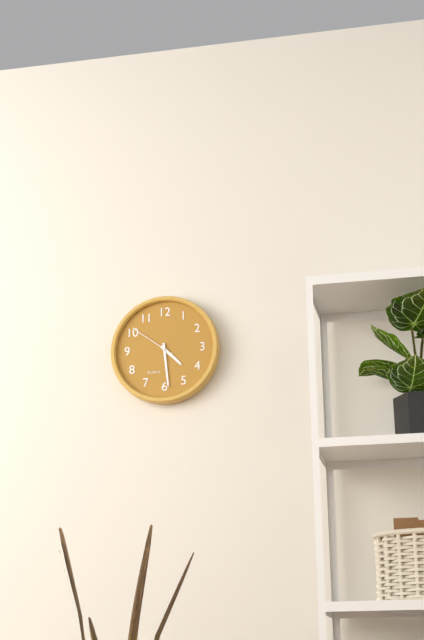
4:29
